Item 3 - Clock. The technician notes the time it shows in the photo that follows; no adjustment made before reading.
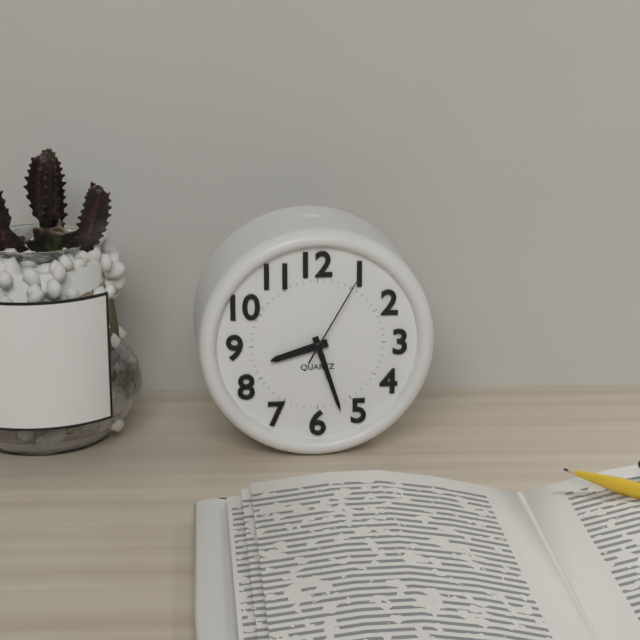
8:27:05
